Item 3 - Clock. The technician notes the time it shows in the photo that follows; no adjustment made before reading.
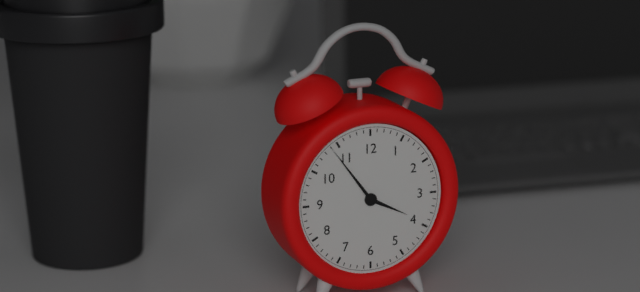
3:54
